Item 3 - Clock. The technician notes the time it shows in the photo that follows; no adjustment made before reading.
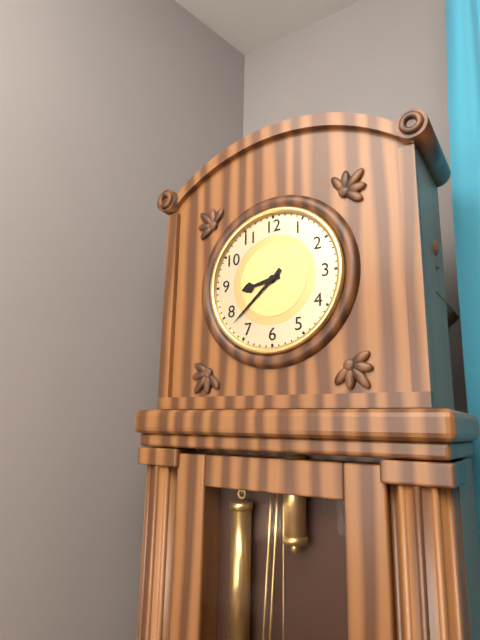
8:38
